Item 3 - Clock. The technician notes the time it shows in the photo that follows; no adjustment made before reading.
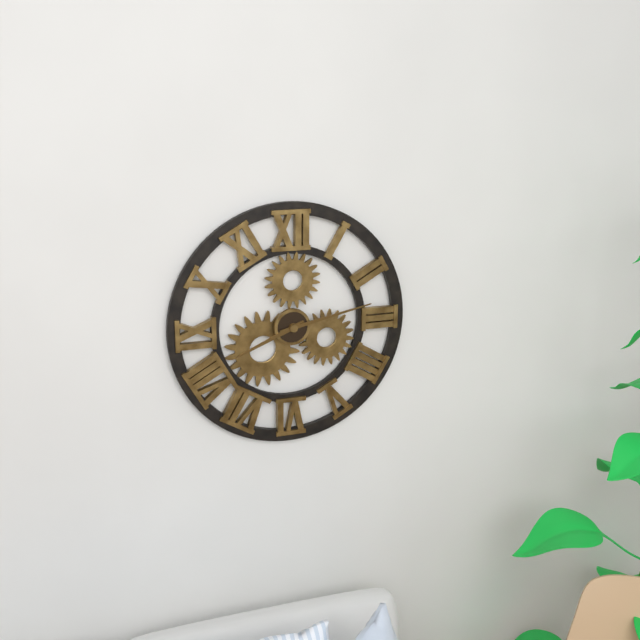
8:13
